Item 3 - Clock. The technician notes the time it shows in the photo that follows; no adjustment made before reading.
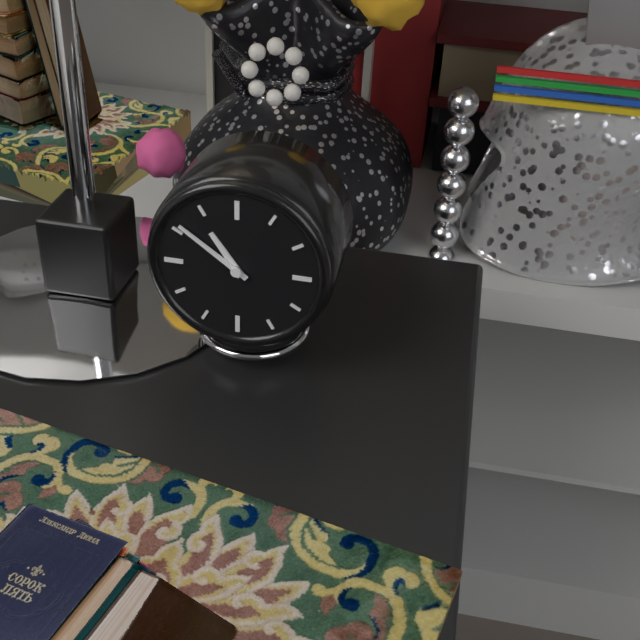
10:51
